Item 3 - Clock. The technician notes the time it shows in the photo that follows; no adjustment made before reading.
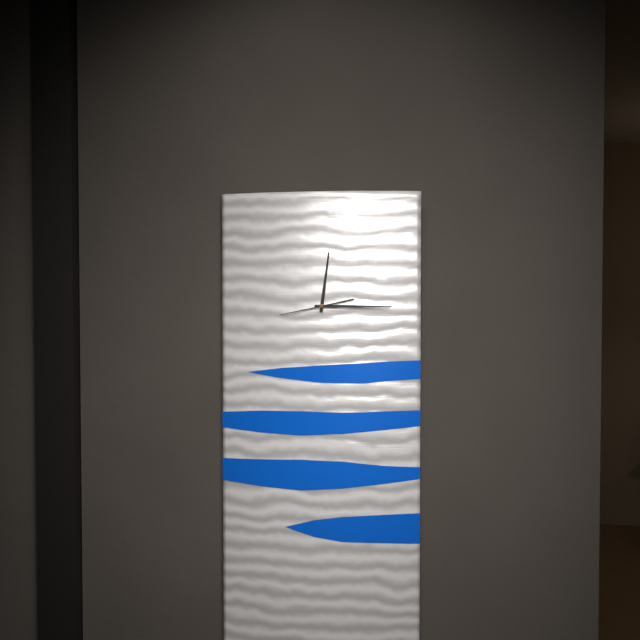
12:15:43
